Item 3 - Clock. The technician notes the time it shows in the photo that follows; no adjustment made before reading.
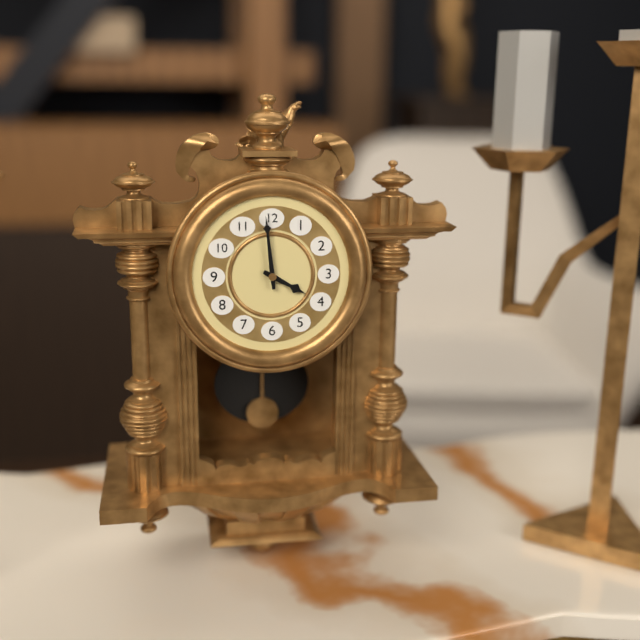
3:59
